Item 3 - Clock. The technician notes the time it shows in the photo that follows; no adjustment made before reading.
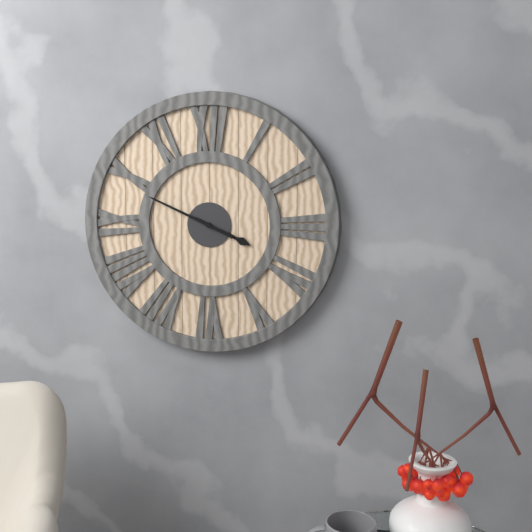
3:49
